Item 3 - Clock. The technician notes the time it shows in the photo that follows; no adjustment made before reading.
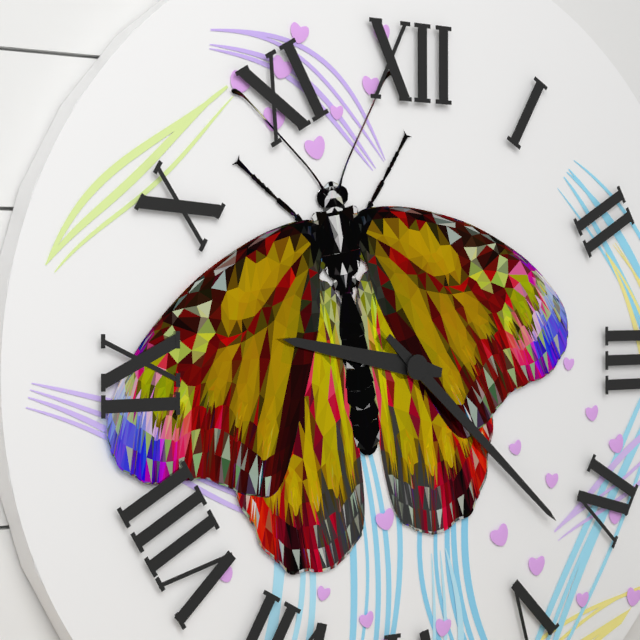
9:22
